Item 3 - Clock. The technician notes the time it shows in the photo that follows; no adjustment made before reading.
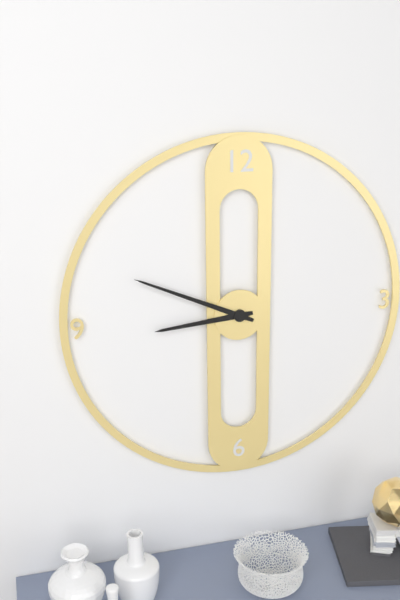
8:49
